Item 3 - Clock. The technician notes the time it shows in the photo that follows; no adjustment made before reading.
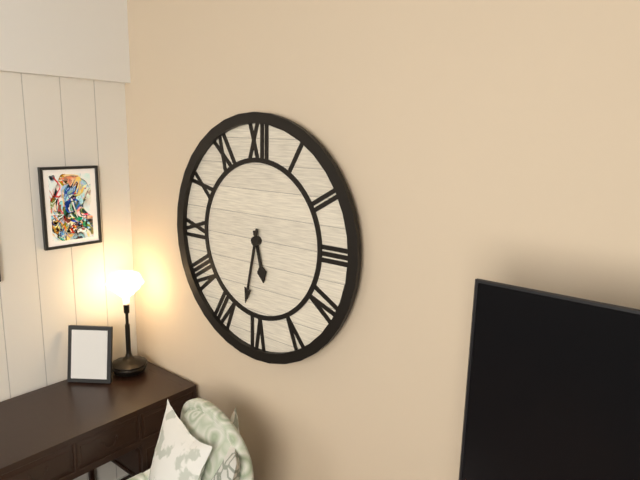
5:32
